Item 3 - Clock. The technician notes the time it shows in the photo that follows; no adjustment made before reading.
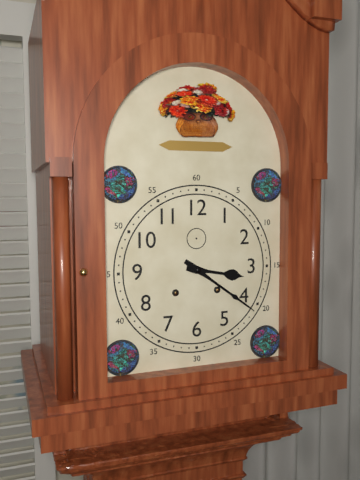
3:21
